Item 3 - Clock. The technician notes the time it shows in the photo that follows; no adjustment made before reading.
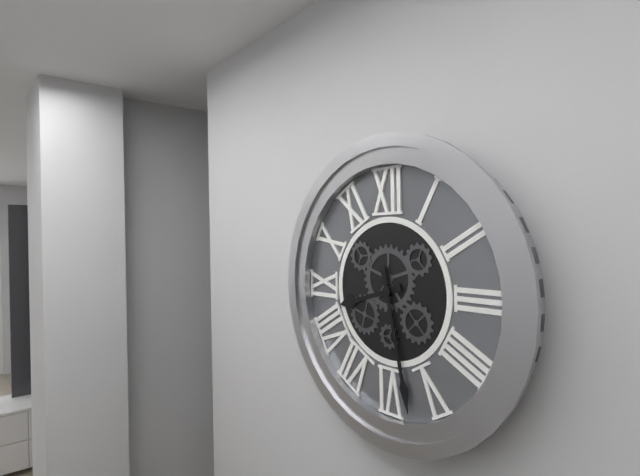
8:28
